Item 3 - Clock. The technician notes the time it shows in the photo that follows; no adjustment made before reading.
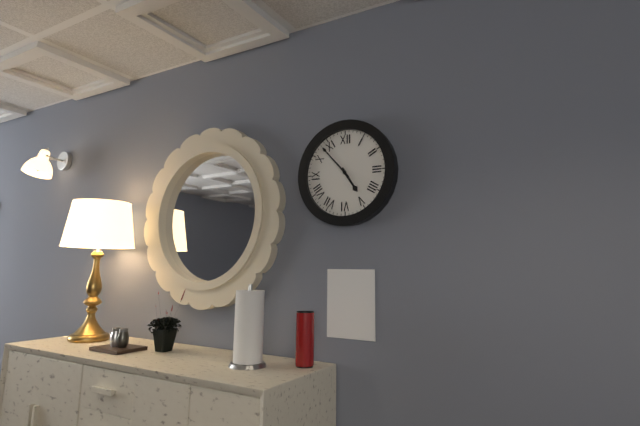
4:53
